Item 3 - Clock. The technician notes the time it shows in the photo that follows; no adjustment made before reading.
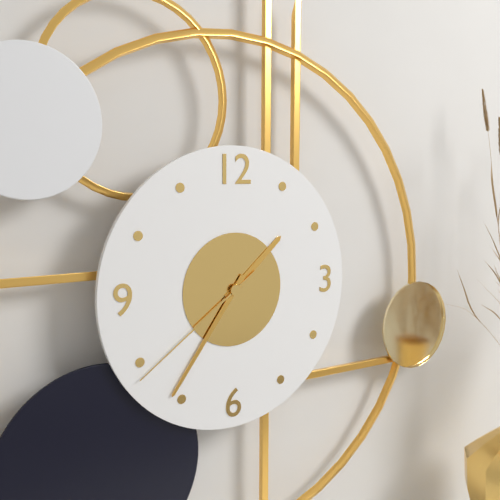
1:36:39
